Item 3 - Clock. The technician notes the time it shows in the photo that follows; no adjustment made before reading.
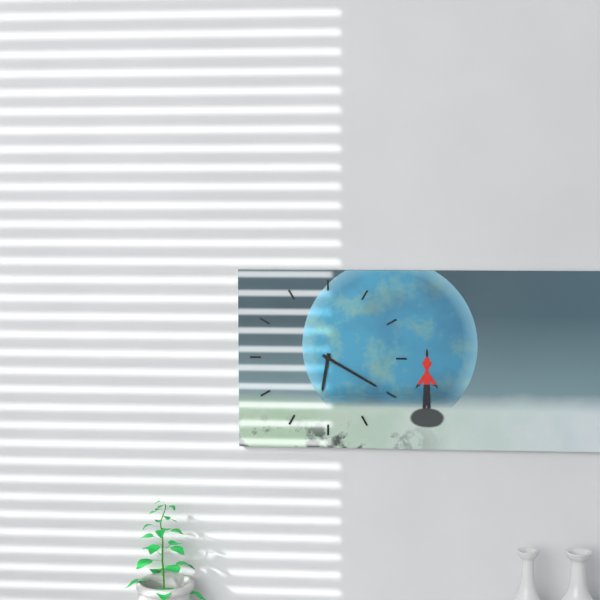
6:20
